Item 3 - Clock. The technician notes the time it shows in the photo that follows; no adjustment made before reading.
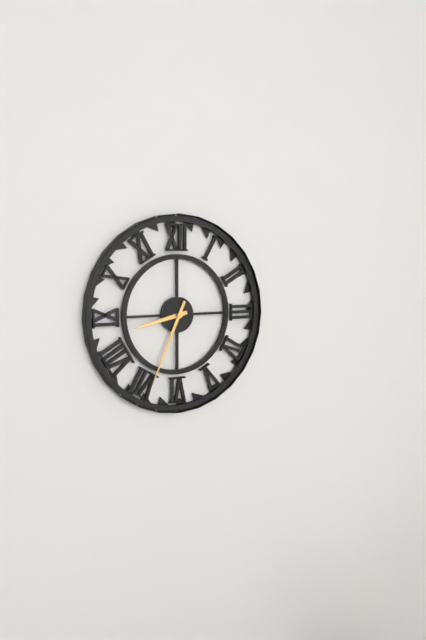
8:34
